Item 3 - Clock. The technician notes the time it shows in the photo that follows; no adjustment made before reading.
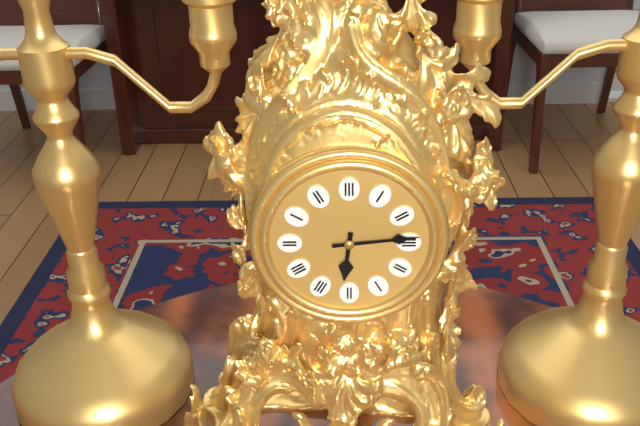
6:14
